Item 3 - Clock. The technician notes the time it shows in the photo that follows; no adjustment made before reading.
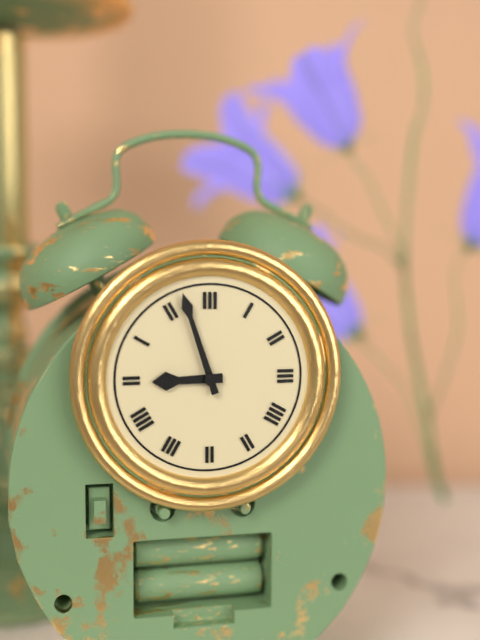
8:57
